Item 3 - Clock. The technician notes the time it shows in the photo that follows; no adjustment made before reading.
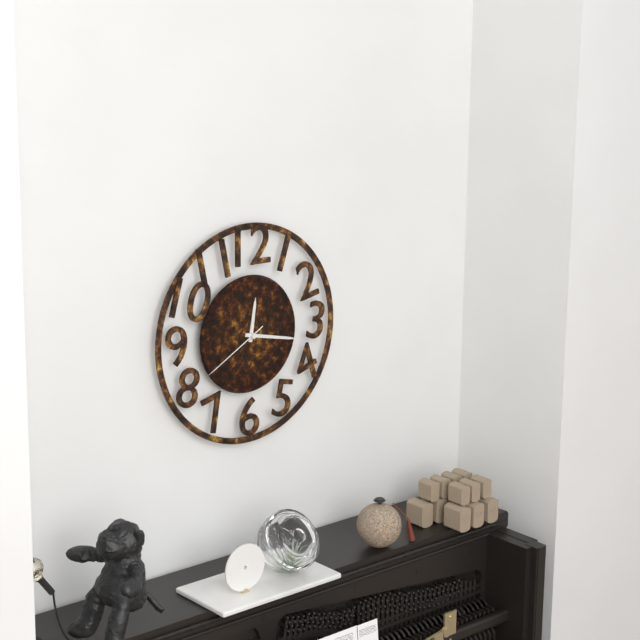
12:17:40
